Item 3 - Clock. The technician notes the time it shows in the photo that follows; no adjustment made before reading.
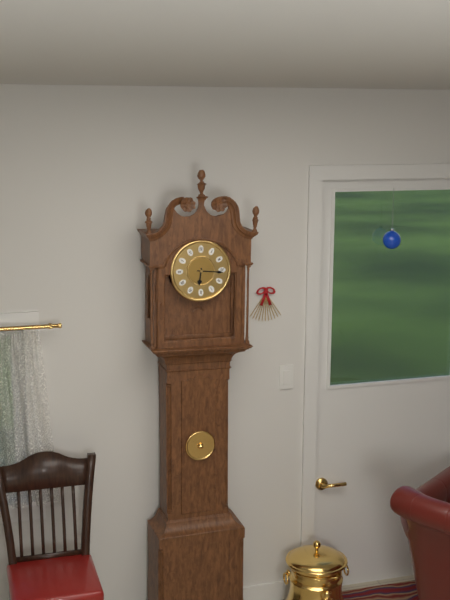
6:16
